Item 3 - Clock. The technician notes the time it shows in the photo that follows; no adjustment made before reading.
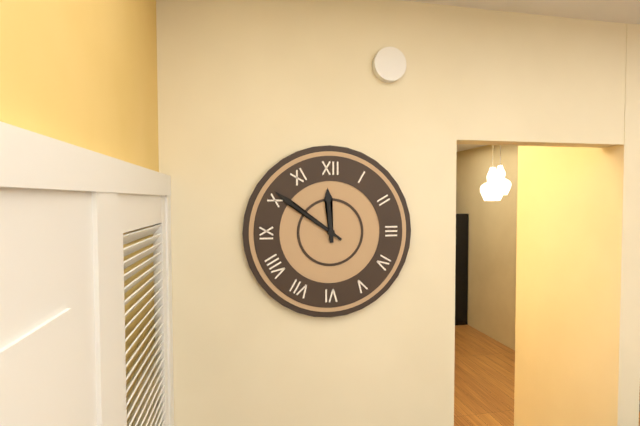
11:51
